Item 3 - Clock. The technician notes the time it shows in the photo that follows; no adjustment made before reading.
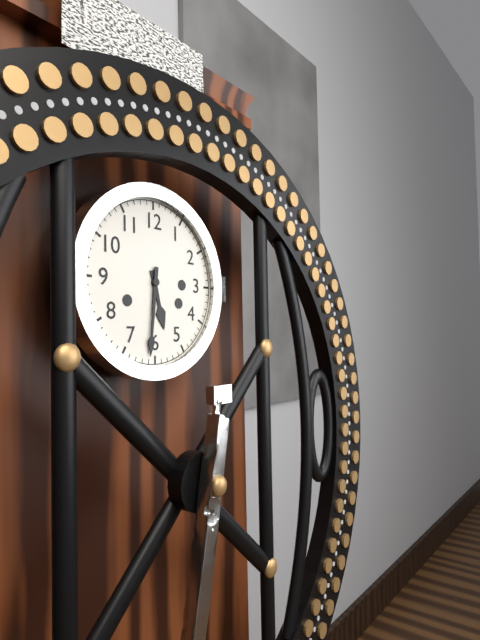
5:31
